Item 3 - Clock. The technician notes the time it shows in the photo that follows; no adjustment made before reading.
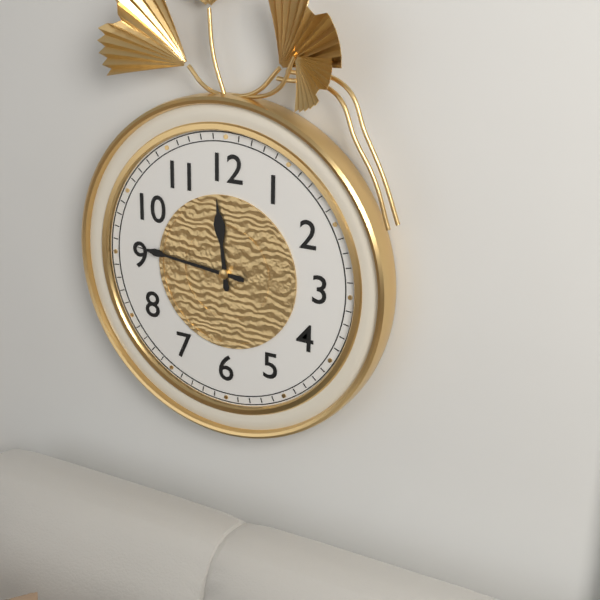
11:46
